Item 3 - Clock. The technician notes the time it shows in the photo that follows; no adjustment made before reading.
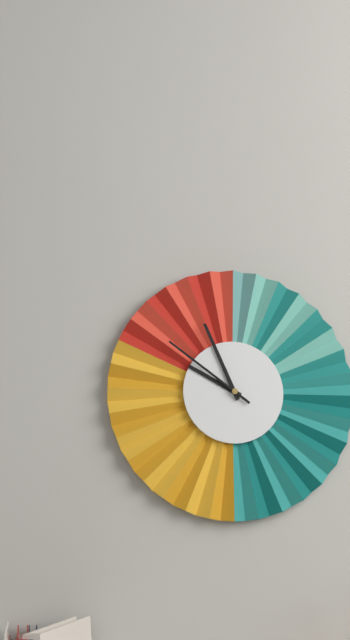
9:56:51
